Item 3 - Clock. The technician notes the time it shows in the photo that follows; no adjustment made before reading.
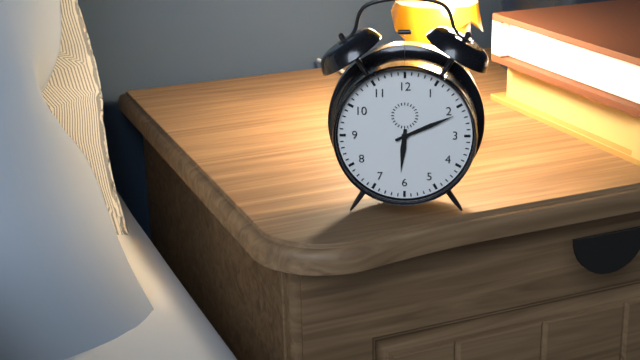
6:11
